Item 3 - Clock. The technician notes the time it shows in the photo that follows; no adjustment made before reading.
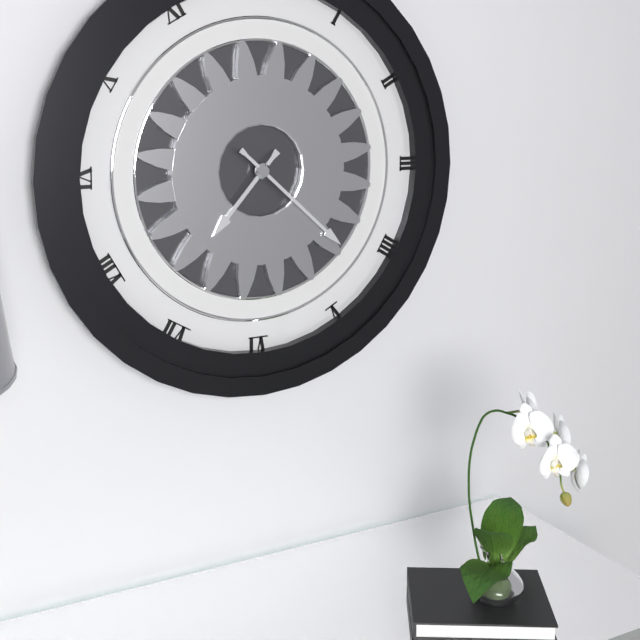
7:22
